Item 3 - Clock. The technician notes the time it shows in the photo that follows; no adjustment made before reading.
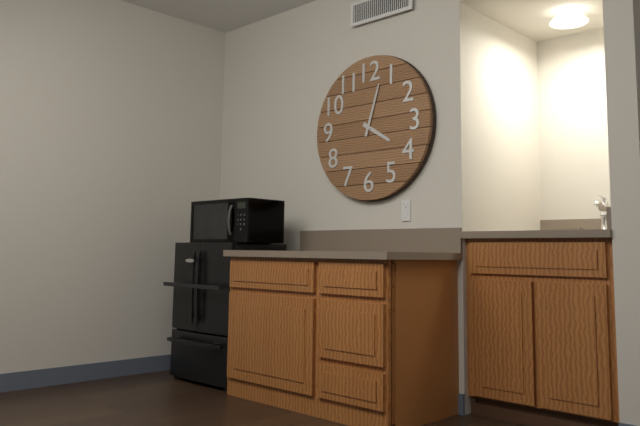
4:03
